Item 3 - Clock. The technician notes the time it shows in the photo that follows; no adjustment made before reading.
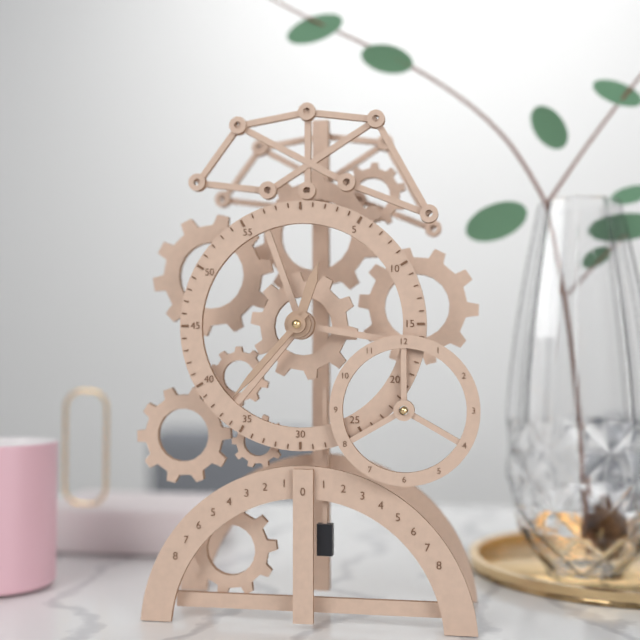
12:37
